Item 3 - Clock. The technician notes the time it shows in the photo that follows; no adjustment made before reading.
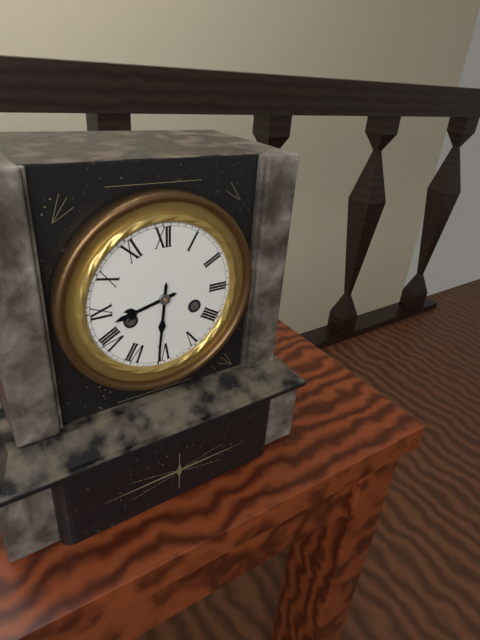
8:31
